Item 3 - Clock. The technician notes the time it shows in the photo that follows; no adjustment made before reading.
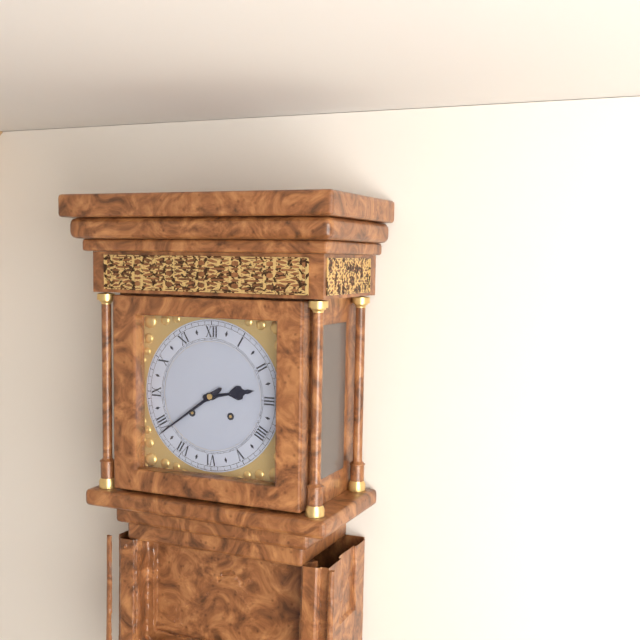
2:39
